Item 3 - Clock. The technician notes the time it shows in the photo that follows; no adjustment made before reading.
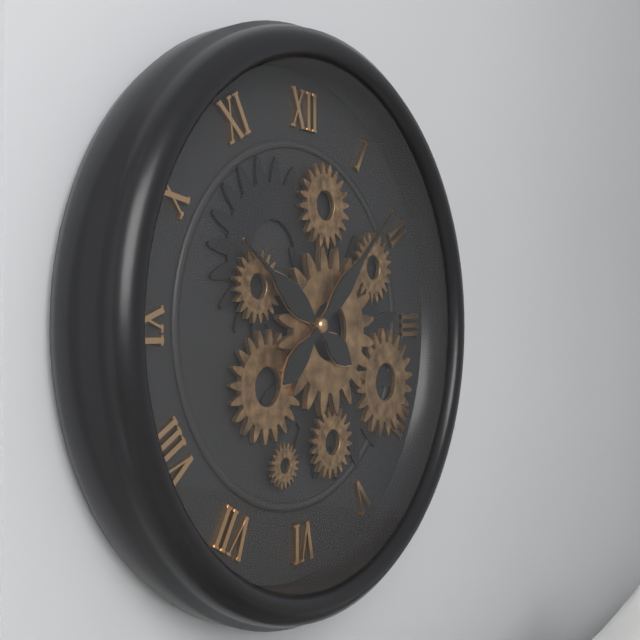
10:08
